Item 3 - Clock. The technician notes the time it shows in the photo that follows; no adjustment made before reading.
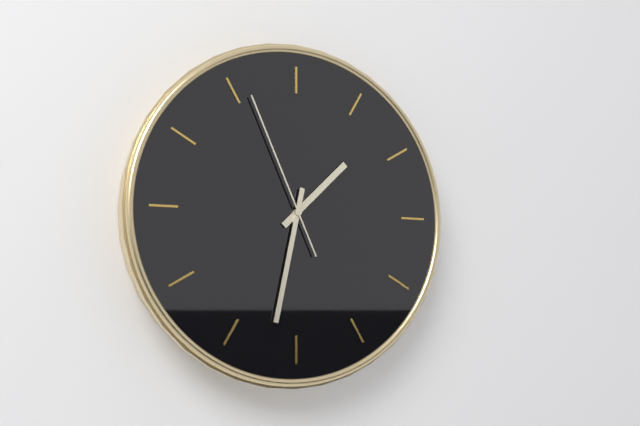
1:32:56
